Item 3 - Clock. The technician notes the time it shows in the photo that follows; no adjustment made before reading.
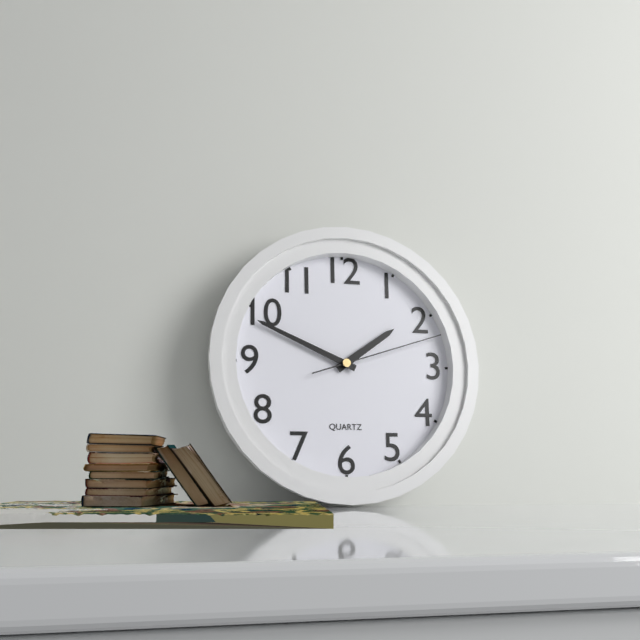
1:49:12
